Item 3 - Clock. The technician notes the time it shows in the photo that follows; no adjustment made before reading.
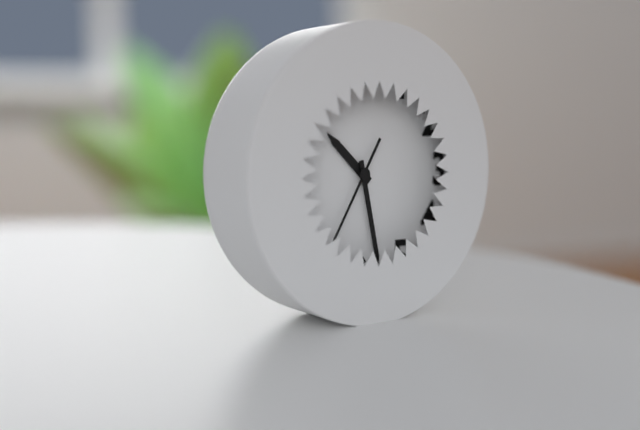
10:28:35
